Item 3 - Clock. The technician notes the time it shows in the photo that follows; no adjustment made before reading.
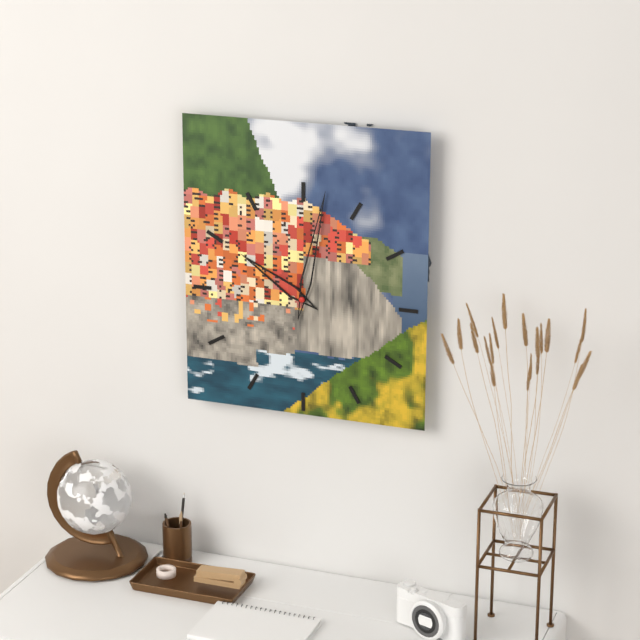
10:02
